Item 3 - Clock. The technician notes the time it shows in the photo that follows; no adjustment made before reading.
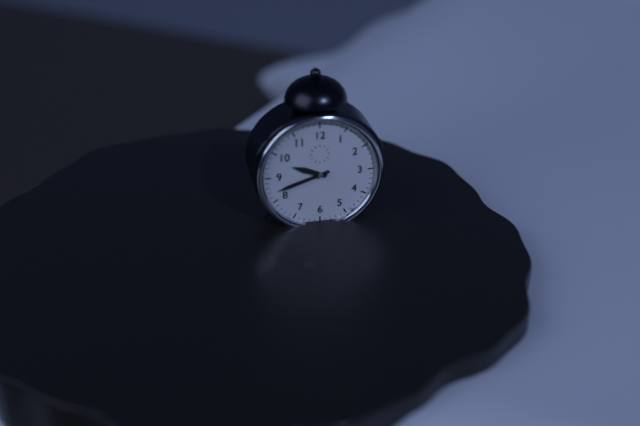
9:42
